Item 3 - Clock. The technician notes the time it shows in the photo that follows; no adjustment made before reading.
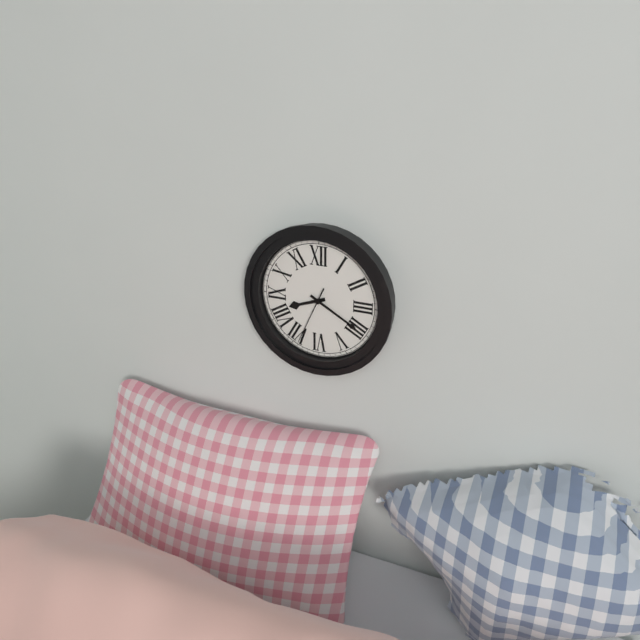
8:20:34
